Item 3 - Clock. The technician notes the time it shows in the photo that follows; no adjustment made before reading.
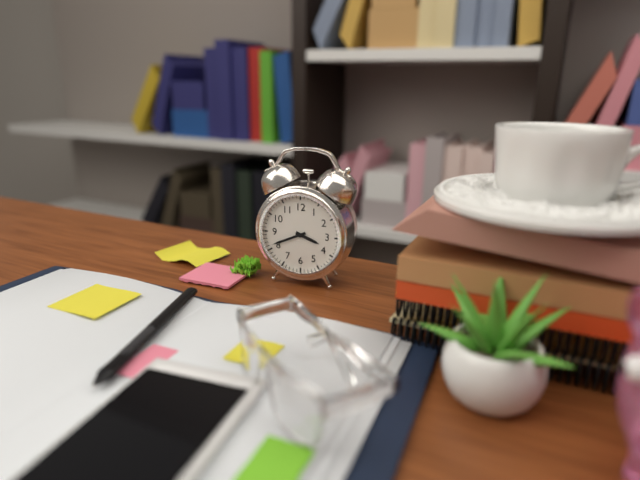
3:41
